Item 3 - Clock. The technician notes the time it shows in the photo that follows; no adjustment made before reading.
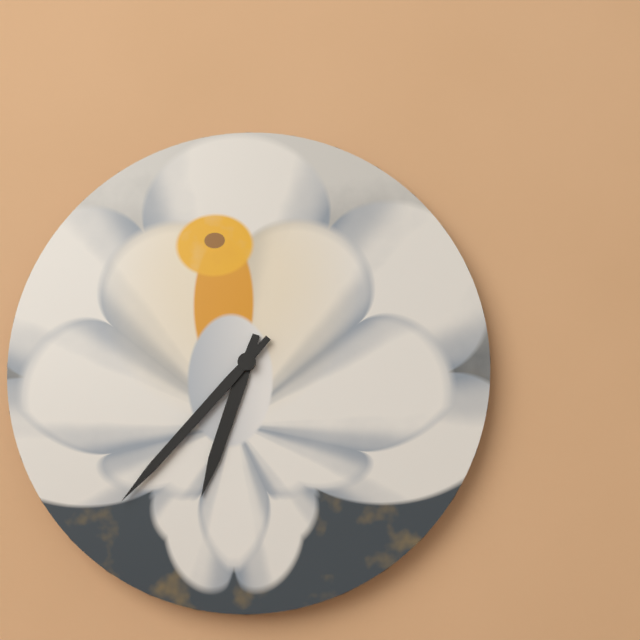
6:37
